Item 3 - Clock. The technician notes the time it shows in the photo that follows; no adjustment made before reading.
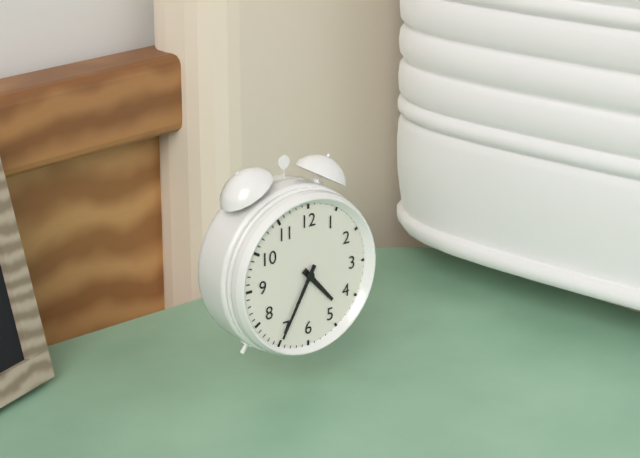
4:35
